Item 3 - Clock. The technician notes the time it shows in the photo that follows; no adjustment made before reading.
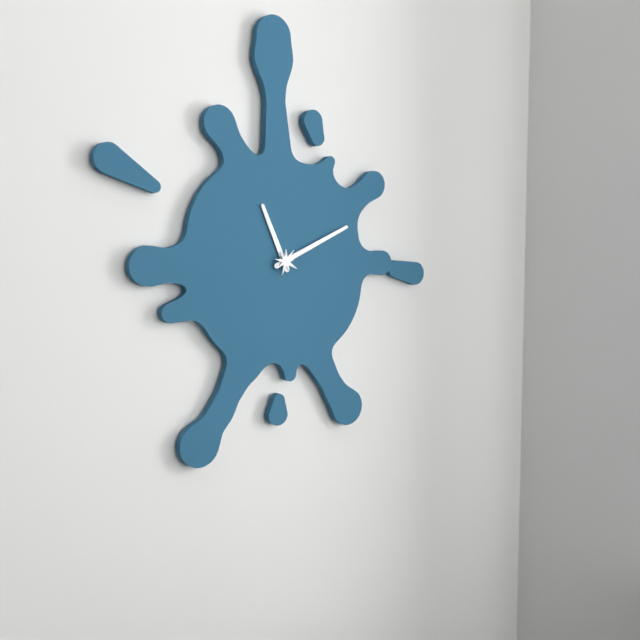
11:11
